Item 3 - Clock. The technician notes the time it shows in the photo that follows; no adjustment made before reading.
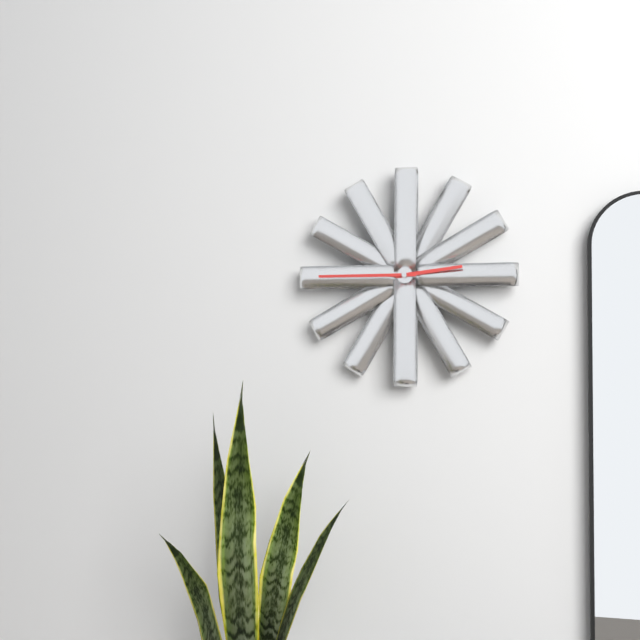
2:45
